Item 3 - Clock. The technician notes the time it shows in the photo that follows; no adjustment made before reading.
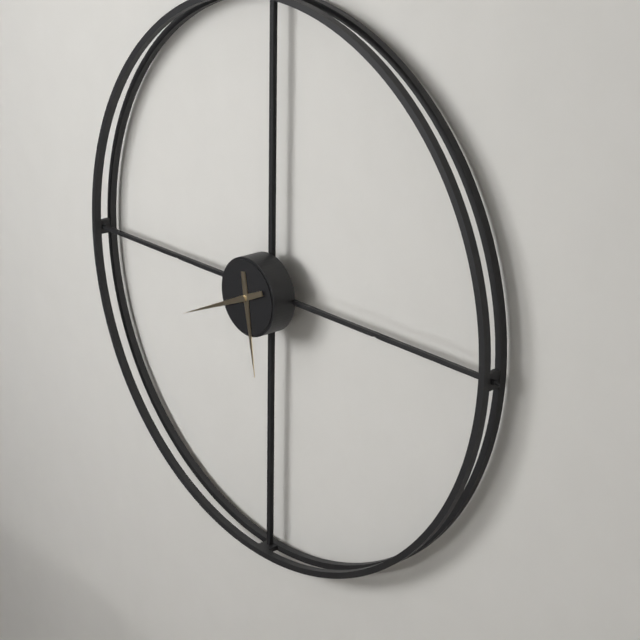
5:41
